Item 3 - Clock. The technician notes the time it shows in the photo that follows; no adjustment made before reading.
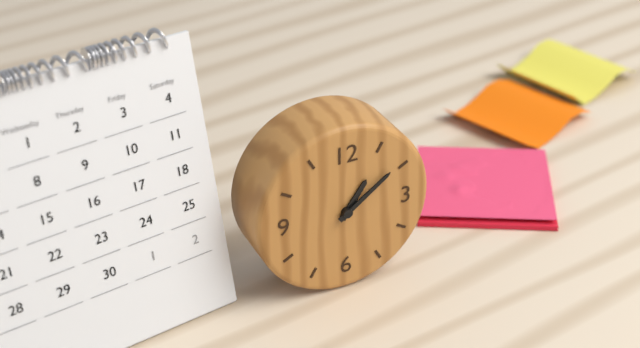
1:09
